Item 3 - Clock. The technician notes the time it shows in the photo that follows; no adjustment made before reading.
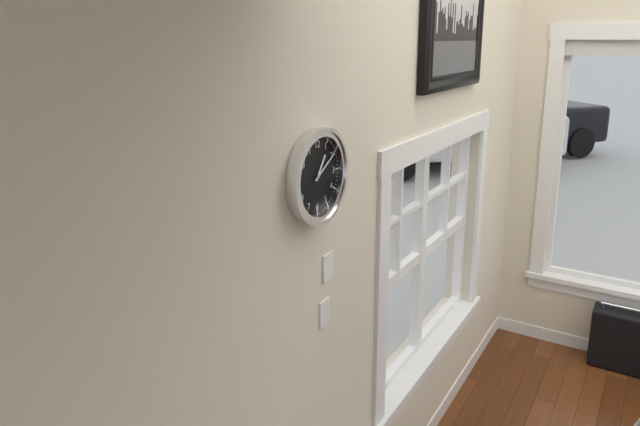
1:10
